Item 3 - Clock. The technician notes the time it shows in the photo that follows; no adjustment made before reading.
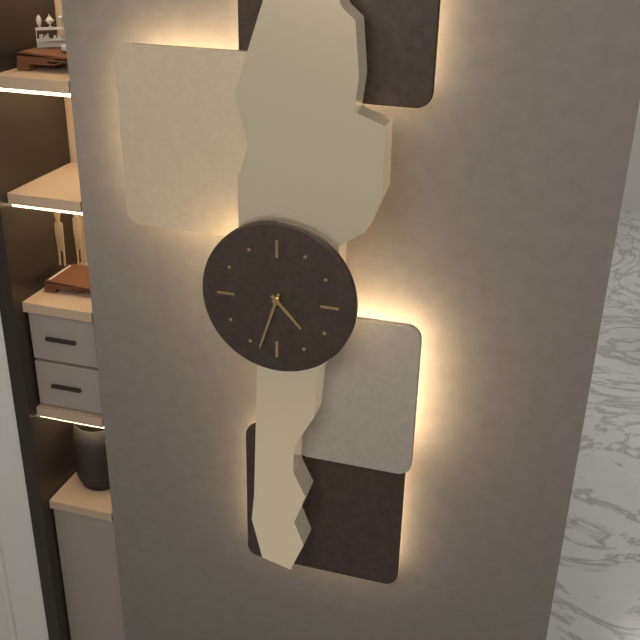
4:33
